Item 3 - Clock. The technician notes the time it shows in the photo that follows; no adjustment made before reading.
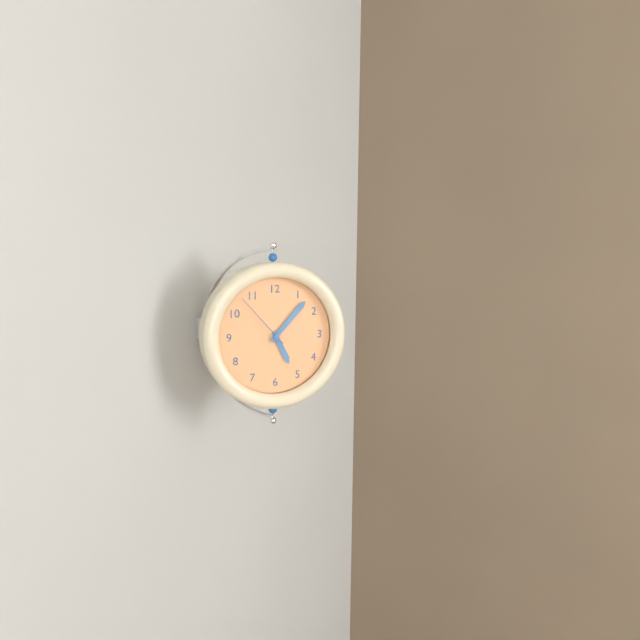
5:07:53
